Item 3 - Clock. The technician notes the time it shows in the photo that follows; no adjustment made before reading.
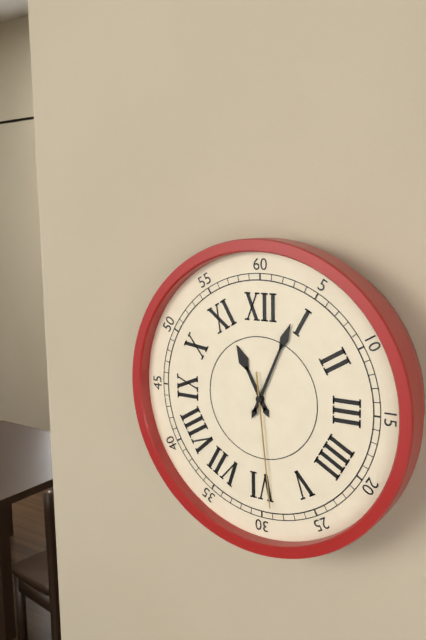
11:04:29
